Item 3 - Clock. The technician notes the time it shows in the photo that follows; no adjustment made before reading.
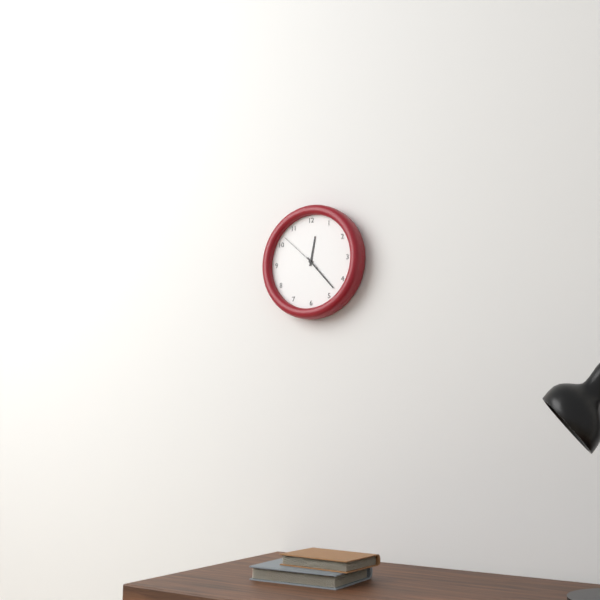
12:23
